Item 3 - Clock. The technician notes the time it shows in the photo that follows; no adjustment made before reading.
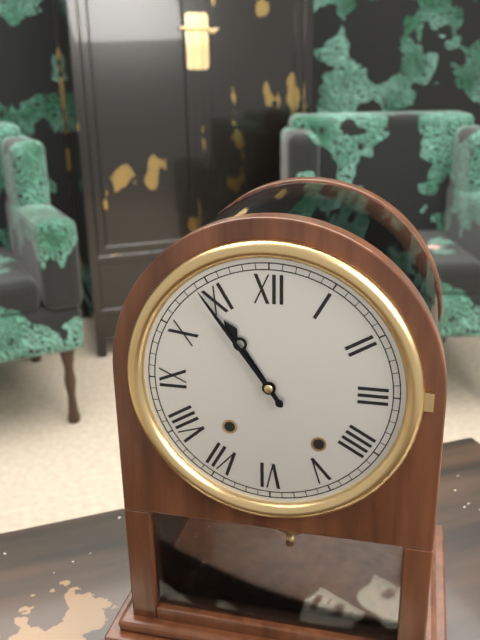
10:54
